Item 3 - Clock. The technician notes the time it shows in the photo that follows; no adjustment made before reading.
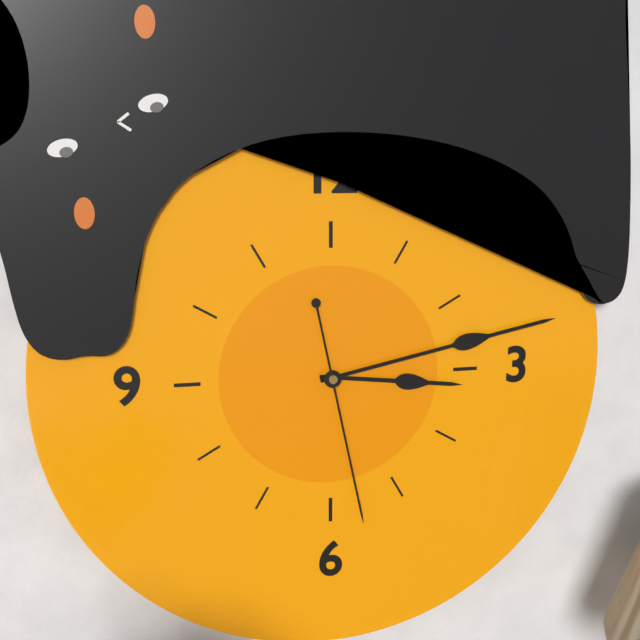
3:13:28
